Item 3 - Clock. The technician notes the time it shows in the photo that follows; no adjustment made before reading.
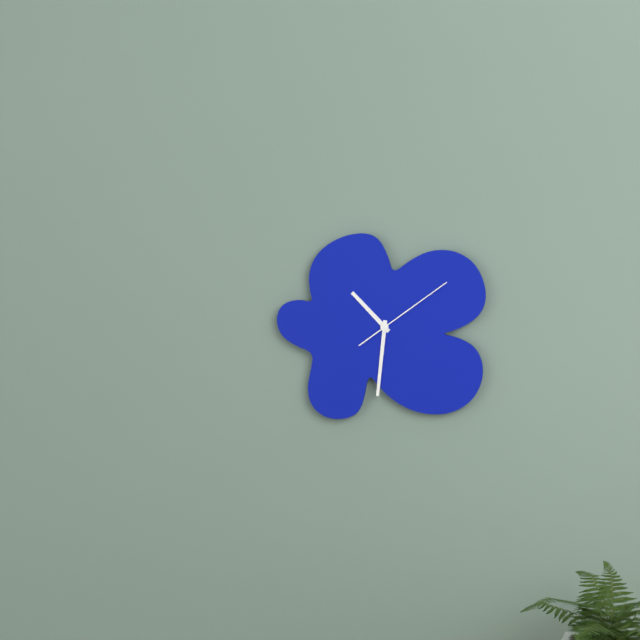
10:31:09
